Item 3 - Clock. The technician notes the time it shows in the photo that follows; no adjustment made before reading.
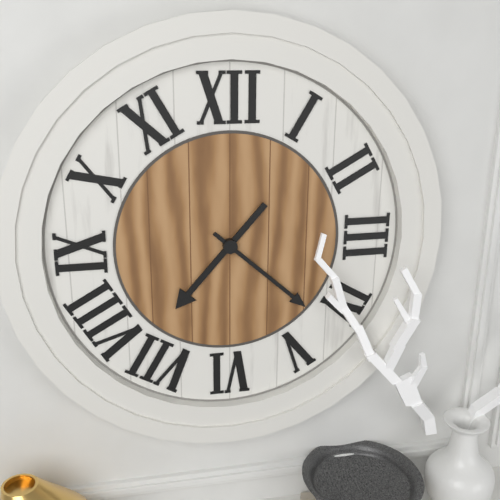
7:22
